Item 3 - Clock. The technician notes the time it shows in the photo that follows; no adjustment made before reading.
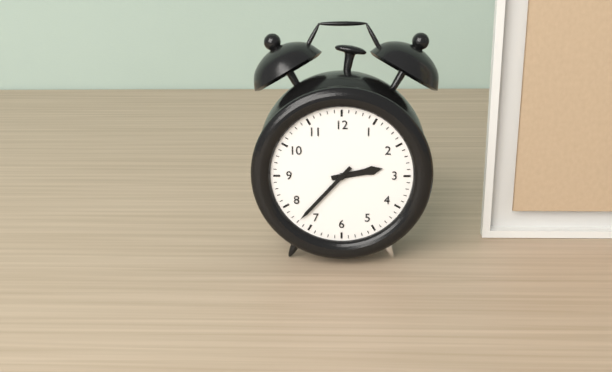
2:37
